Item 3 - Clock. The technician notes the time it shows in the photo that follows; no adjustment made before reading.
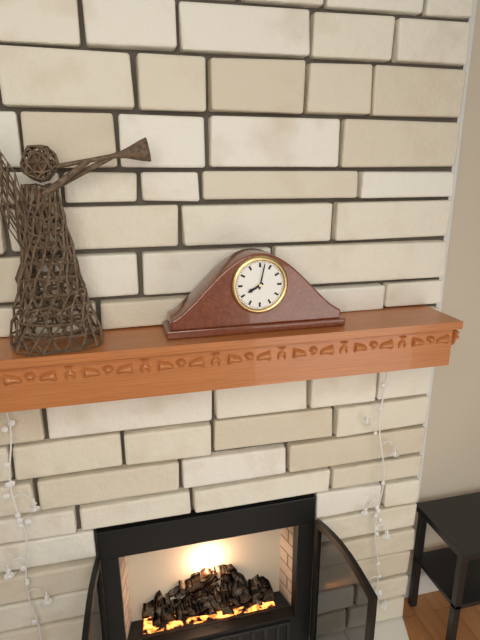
8:02
